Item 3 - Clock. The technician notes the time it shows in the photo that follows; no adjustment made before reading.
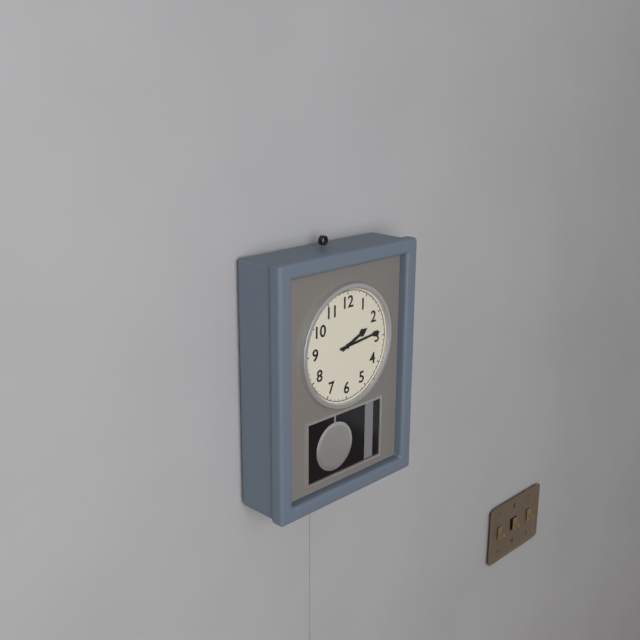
2:14
